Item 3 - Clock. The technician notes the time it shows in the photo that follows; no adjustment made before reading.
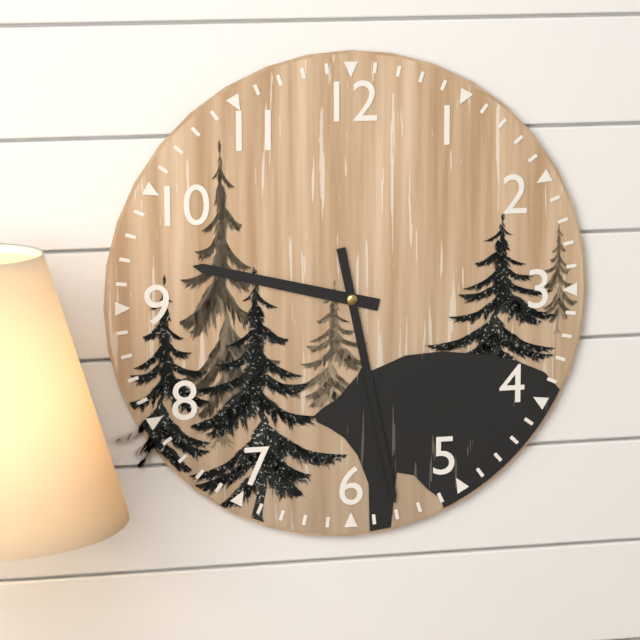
9:28
